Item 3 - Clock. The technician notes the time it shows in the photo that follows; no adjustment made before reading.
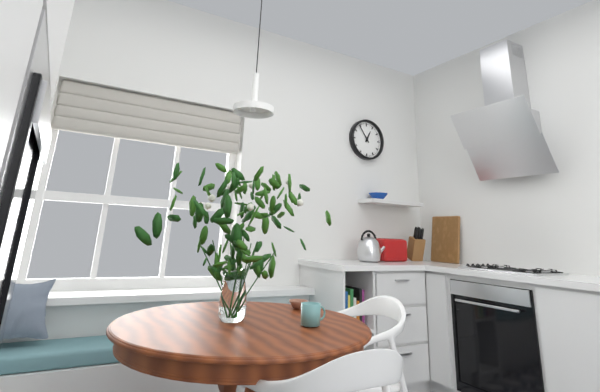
12:54
